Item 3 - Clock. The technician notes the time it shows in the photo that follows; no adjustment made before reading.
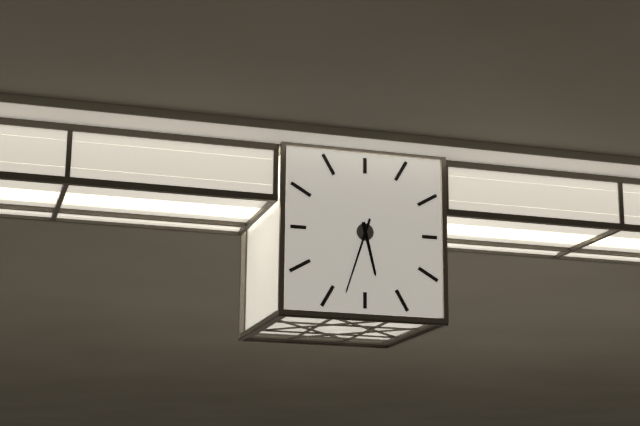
5:33
